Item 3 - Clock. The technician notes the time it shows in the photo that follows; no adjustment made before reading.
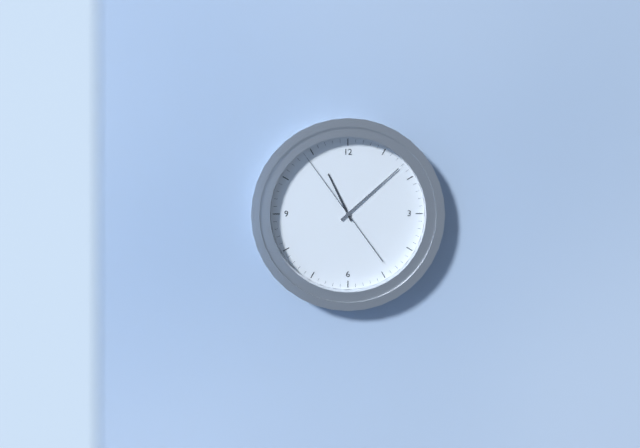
11:08:54
